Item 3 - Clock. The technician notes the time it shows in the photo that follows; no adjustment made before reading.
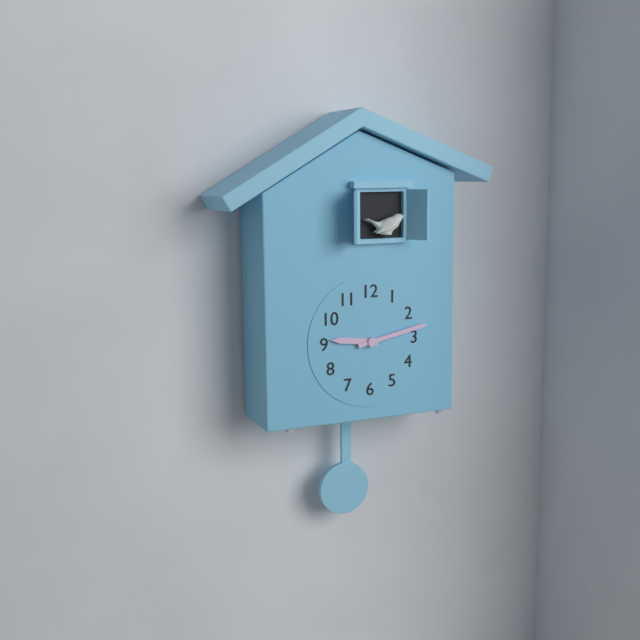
9:13
